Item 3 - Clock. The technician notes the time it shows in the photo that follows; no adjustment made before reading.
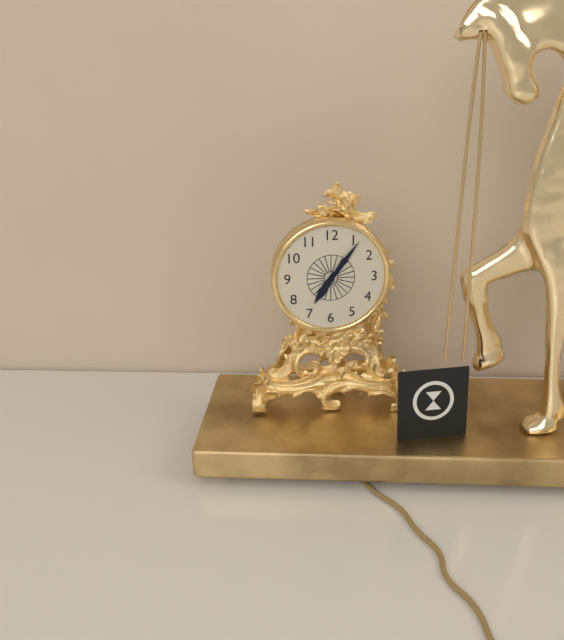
7:06
